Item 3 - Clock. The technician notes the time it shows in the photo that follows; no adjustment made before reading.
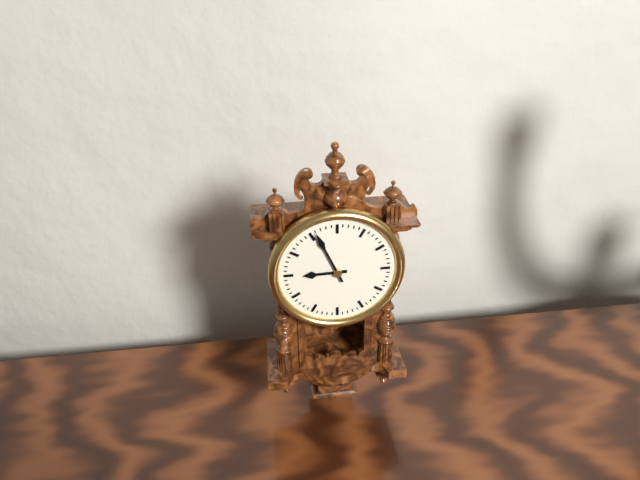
8:56
